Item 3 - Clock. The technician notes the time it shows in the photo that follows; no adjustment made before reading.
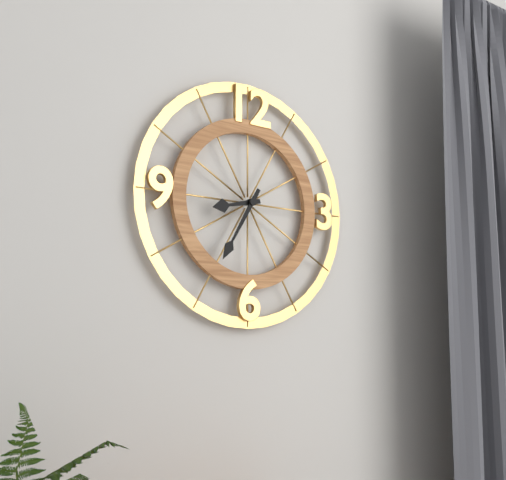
8:35
